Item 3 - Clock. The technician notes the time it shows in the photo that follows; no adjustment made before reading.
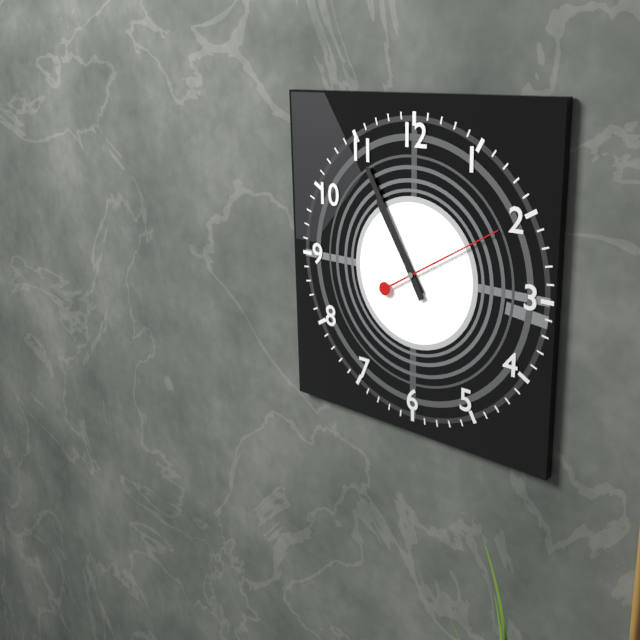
10:55:10
